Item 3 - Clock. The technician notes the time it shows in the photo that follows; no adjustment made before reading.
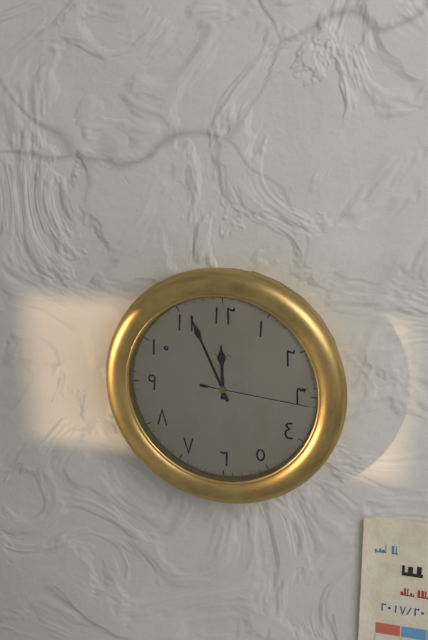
11:56:16
